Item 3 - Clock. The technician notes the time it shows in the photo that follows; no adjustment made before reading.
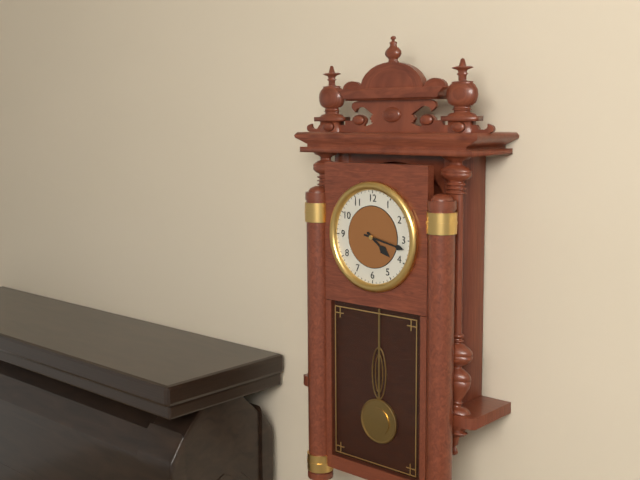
4:17
